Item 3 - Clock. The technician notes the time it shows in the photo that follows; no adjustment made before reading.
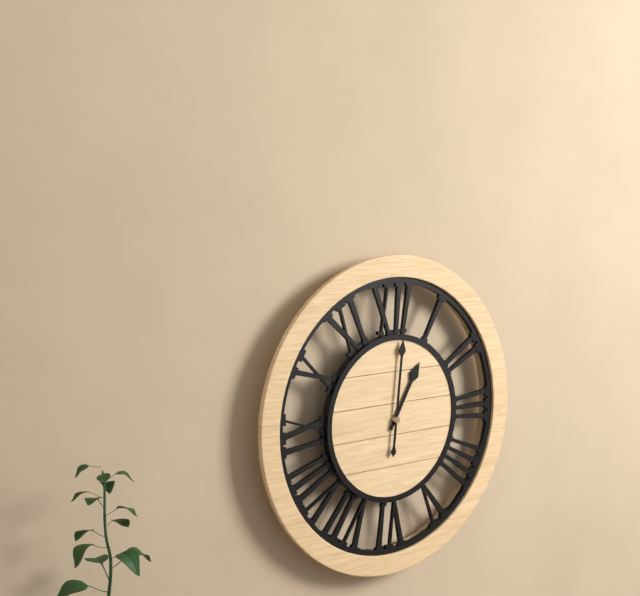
1:01
